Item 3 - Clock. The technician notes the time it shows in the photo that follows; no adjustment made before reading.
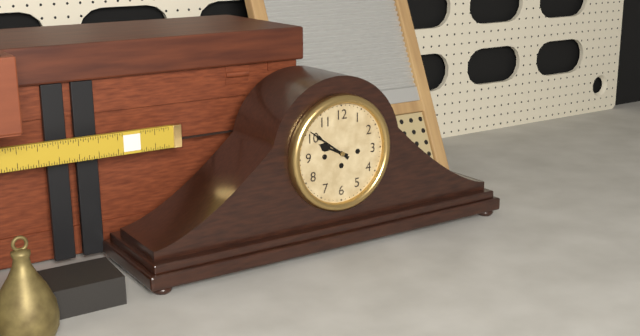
9:51
